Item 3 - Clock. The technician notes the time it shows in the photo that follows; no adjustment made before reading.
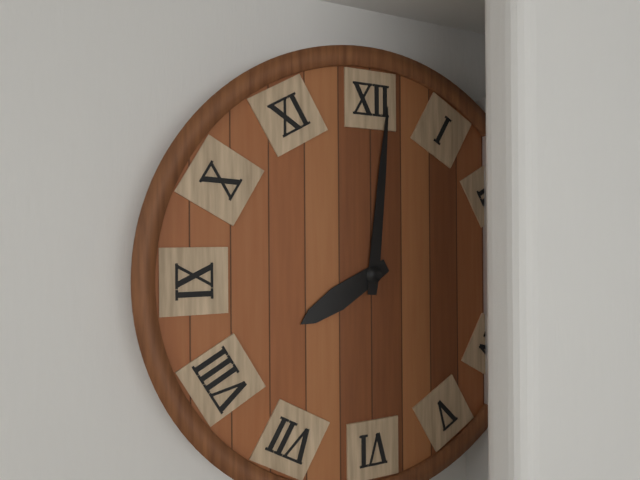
8:01
